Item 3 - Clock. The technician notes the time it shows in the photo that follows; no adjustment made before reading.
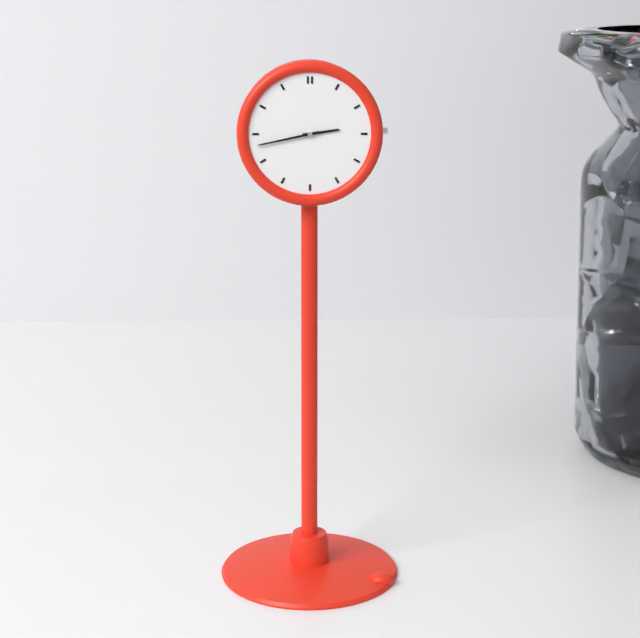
2:43
